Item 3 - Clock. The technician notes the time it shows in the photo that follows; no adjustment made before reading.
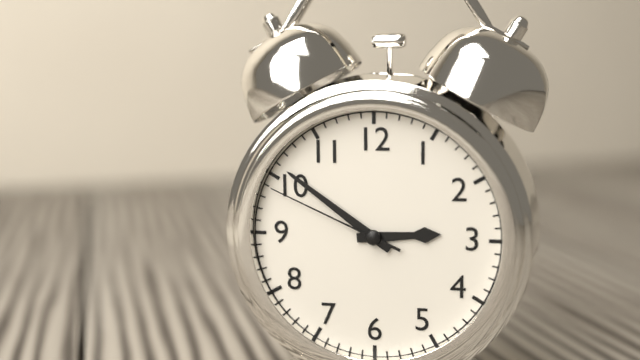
2:51:49
